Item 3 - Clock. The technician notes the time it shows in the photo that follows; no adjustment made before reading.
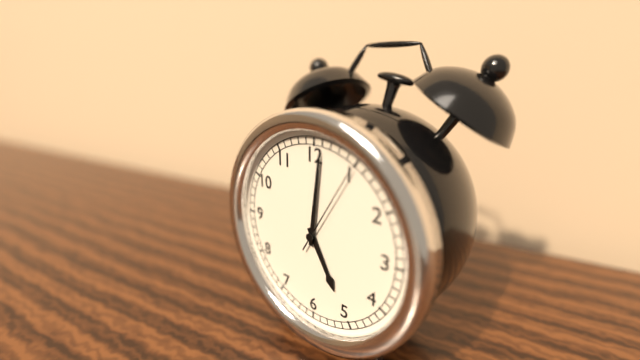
5:01:05
